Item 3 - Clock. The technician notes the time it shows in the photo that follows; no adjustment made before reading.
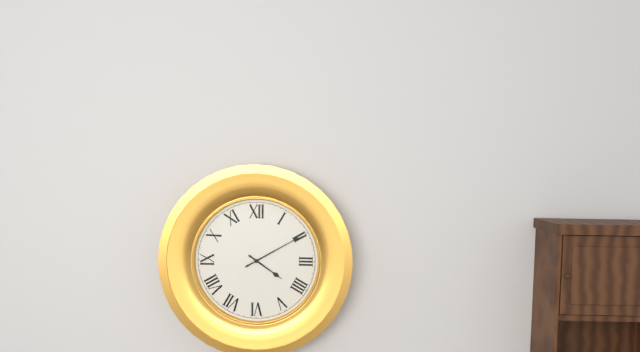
4:10
